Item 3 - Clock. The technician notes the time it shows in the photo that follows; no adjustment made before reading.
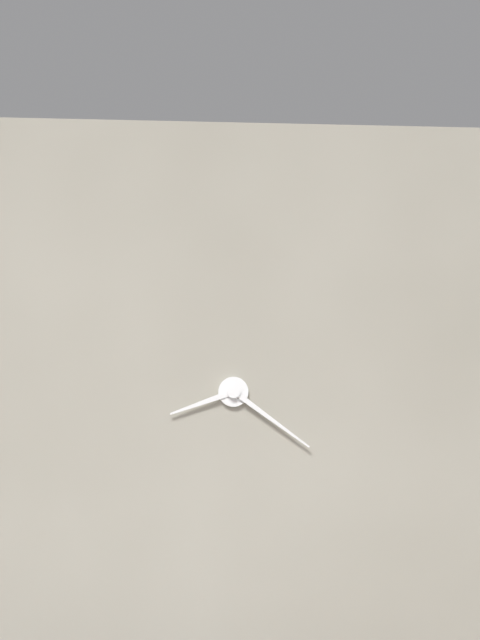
8:21
